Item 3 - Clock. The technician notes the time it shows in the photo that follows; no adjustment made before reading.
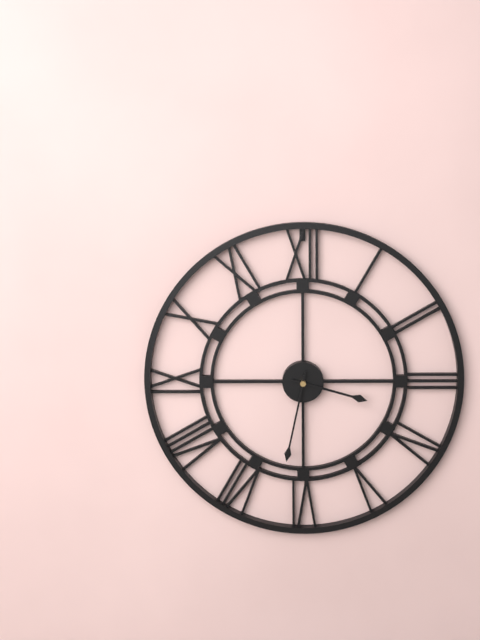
3:32
